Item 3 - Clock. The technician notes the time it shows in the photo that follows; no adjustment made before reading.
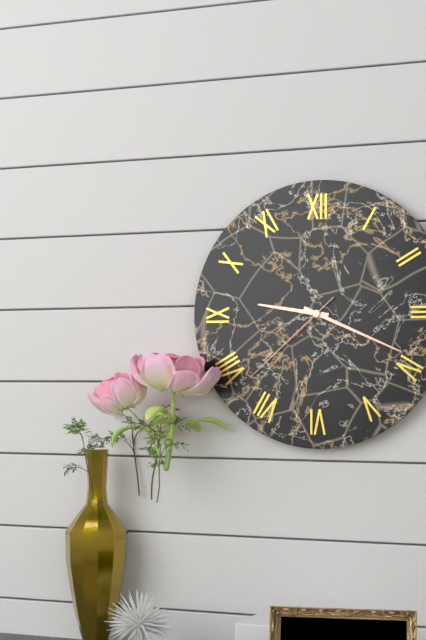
9:19:38
